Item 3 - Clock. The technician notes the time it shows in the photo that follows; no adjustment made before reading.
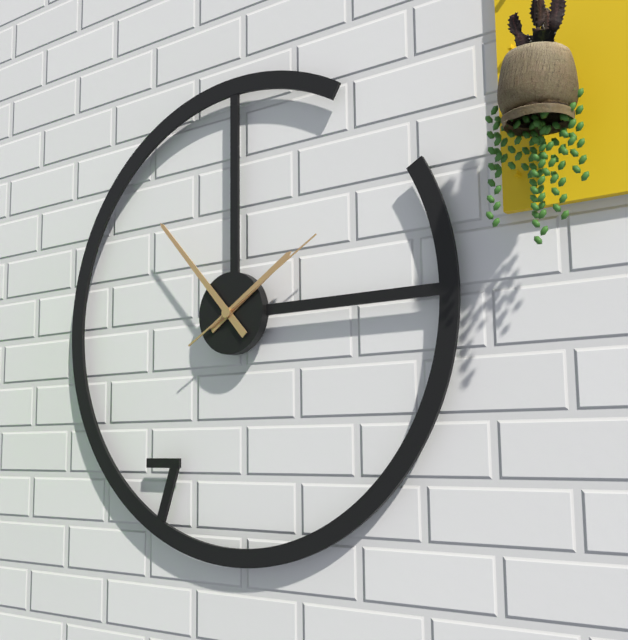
1:53:10
